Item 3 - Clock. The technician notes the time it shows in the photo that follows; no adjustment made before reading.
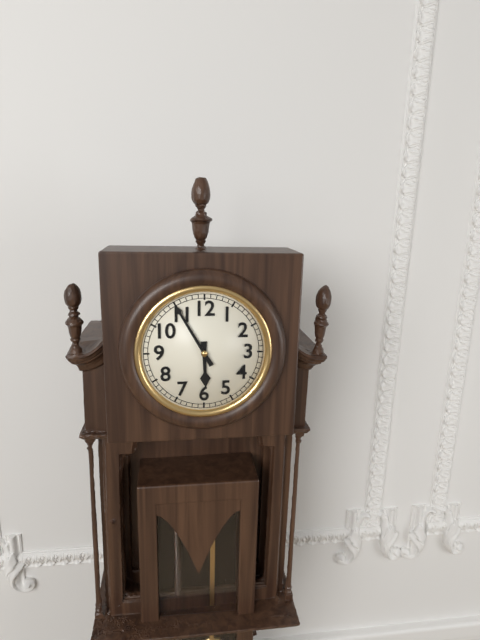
5:55
